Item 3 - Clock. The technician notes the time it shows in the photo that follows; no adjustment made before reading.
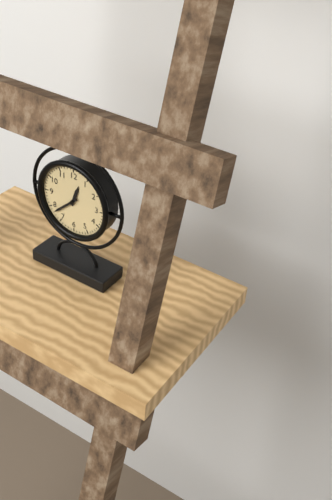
12:38
